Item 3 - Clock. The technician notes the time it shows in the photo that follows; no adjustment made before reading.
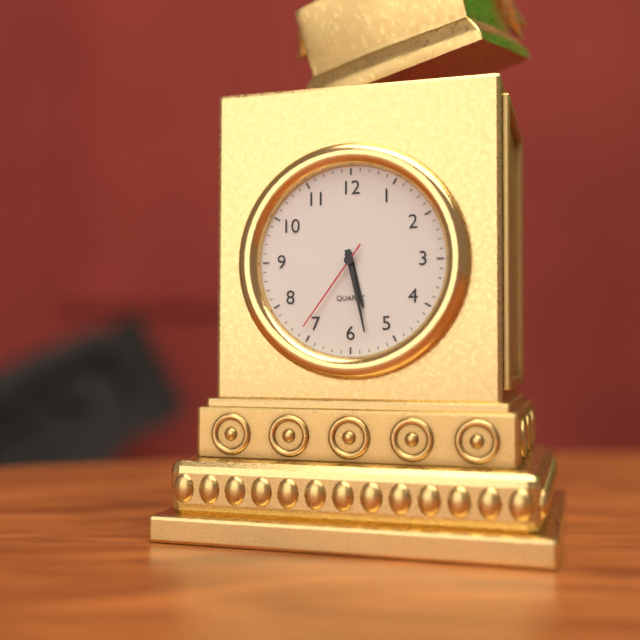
5:28:36
